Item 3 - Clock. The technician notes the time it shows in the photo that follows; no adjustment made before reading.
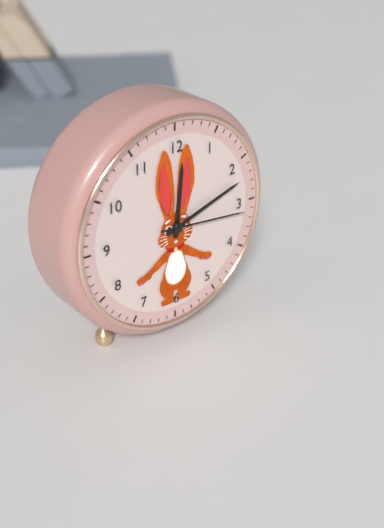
12:12:16
